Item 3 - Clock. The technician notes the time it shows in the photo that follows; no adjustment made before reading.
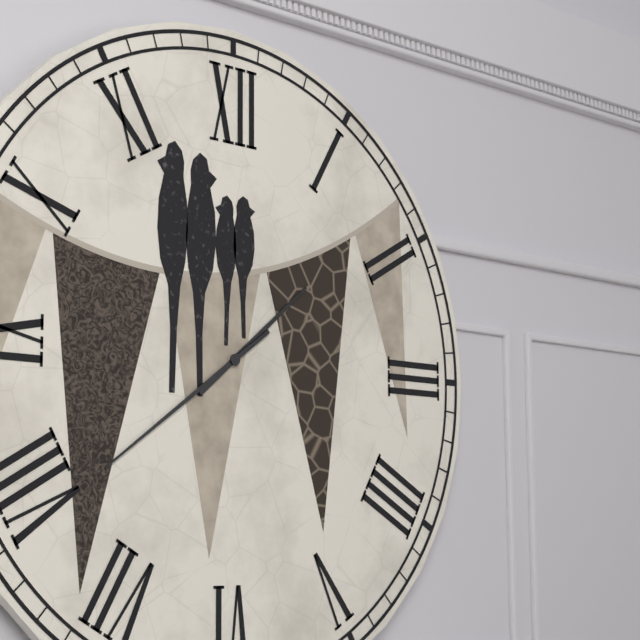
1:39
